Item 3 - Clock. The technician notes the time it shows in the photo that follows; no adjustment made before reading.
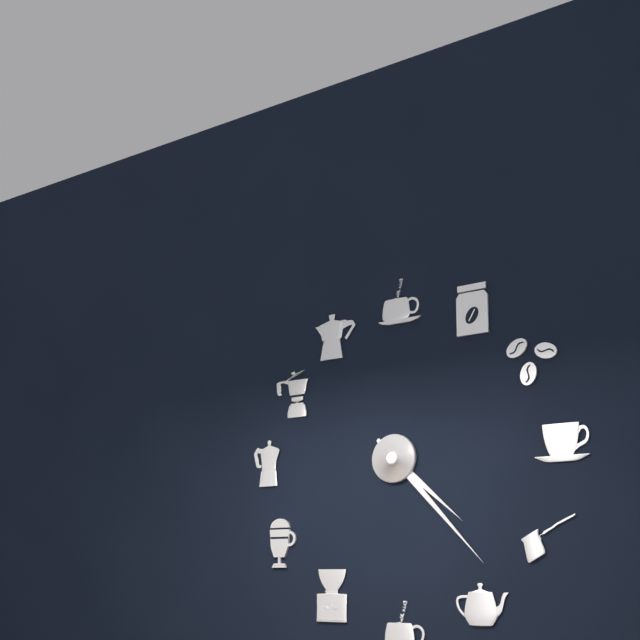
4:23
